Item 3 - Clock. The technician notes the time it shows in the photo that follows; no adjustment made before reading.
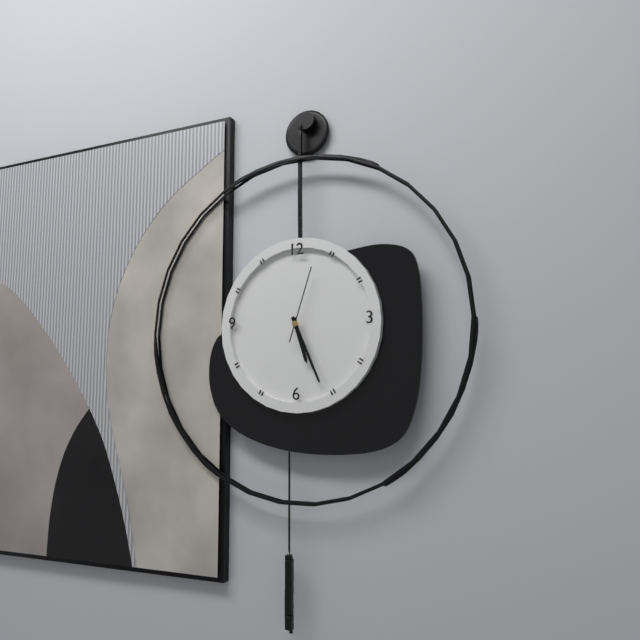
5:26:03
